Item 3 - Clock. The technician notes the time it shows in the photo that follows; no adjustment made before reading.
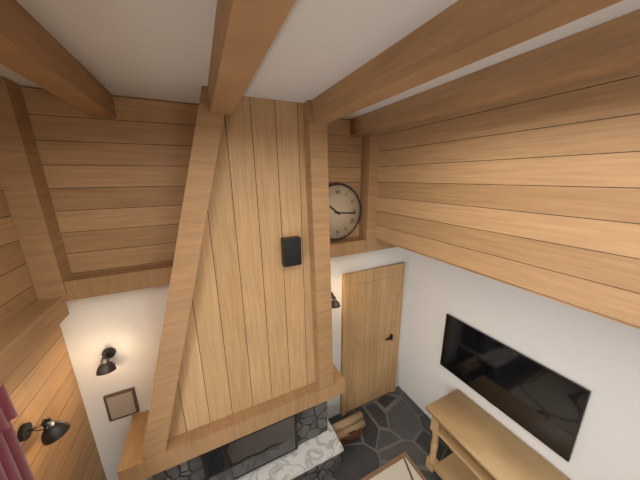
10:16
